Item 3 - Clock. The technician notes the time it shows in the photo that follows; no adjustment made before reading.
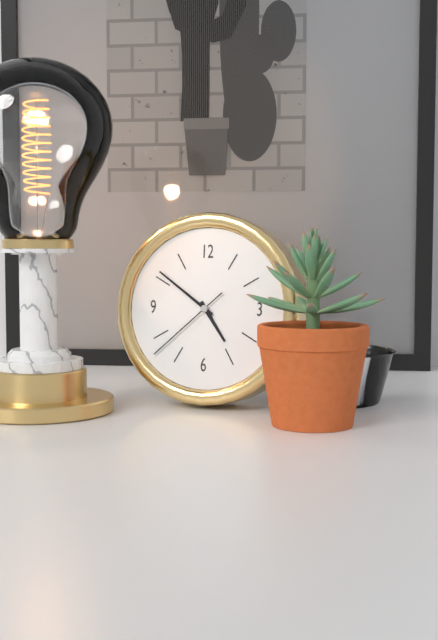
4:51:38
